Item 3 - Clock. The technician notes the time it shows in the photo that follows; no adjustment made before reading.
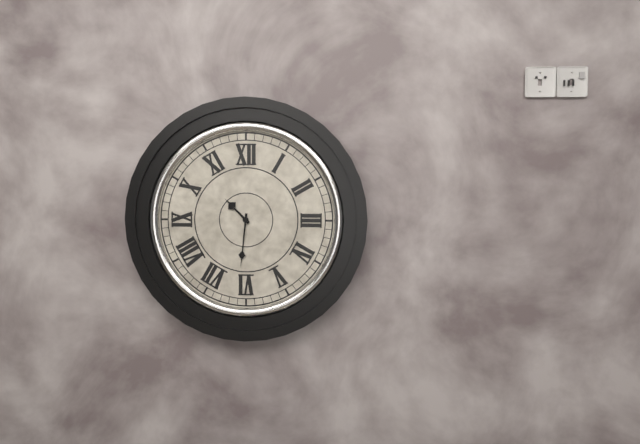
10:31
